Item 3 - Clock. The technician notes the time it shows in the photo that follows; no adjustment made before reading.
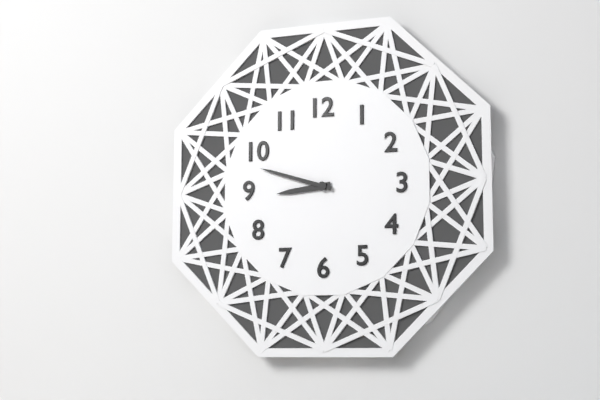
8:48
